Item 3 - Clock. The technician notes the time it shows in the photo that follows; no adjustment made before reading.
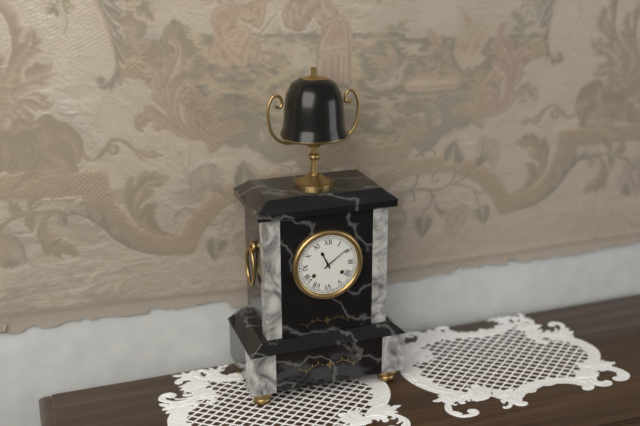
11:09
